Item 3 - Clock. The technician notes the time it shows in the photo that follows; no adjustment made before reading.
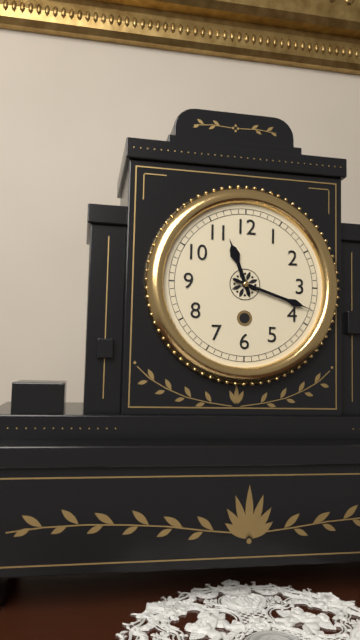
11:18
